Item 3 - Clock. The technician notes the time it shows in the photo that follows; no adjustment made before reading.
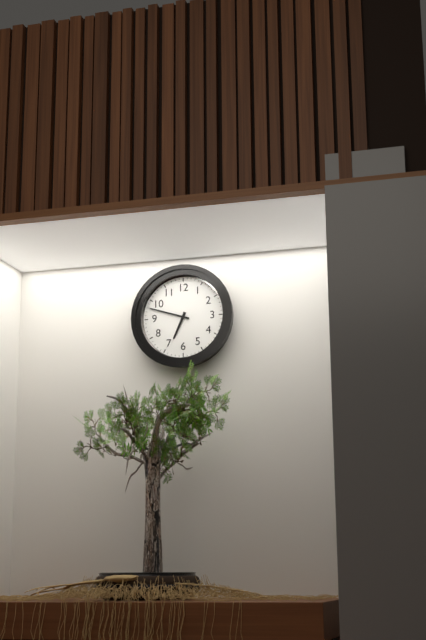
6:48
